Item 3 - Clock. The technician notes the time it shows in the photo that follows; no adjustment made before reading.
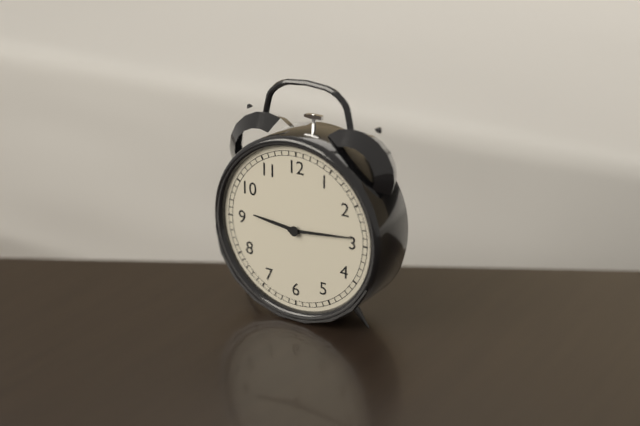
9:14
